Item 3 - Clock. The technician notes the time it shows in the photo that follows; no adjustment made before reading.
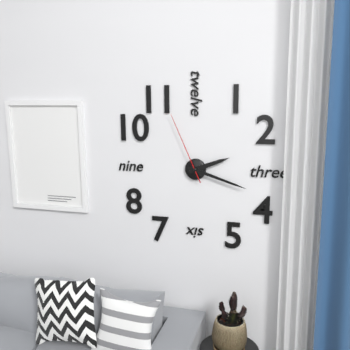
2:18:56
